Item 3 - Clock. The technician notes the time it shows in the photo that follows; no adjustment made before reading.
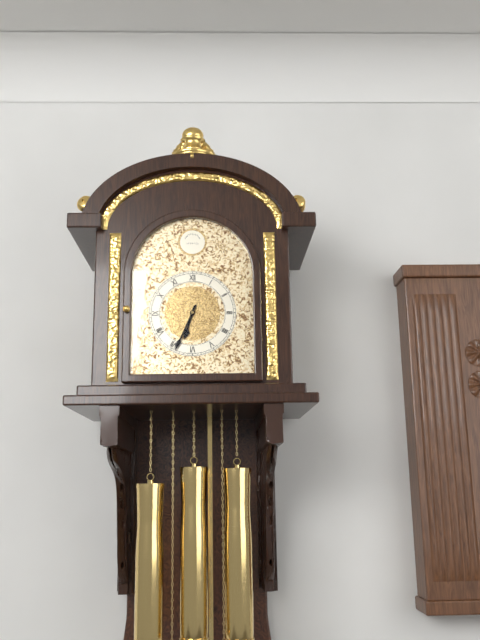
6:34
